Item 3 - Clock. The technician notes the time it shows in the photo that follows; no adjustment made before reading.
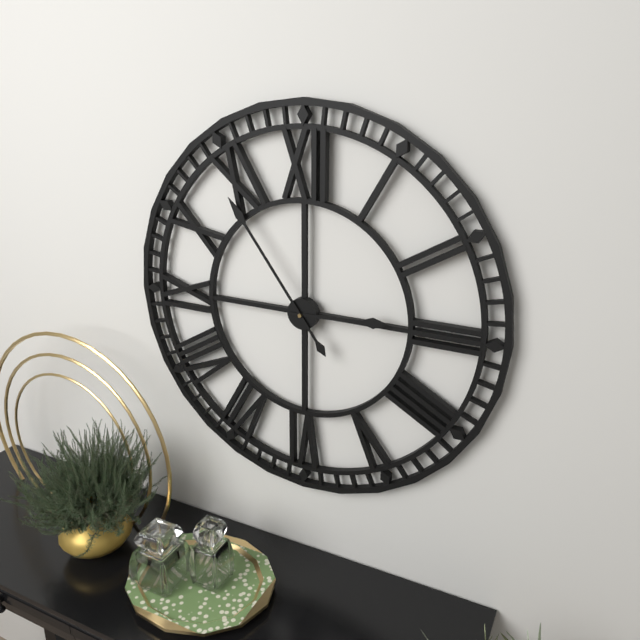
2:54
